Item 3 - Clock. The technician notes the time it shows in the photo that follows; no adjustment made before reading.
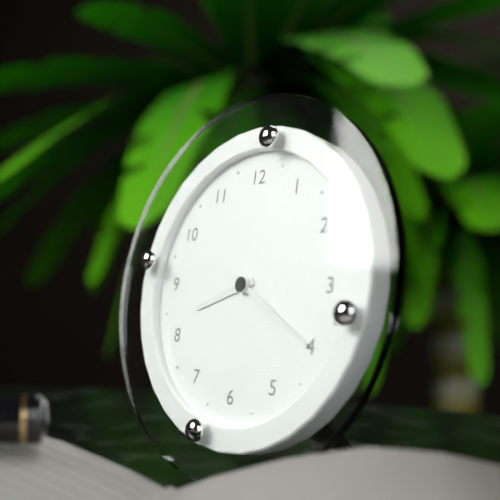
8:20
